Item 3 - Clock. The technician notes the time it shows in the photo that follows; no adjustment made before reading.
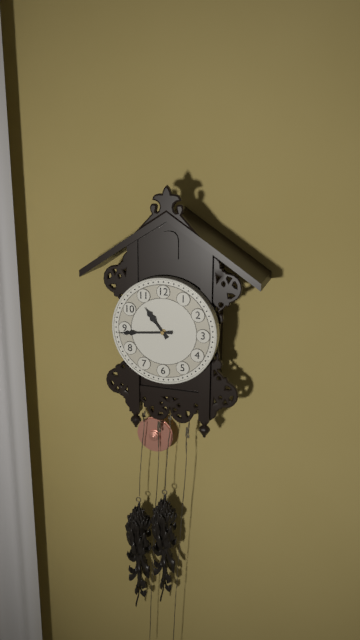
10:44
